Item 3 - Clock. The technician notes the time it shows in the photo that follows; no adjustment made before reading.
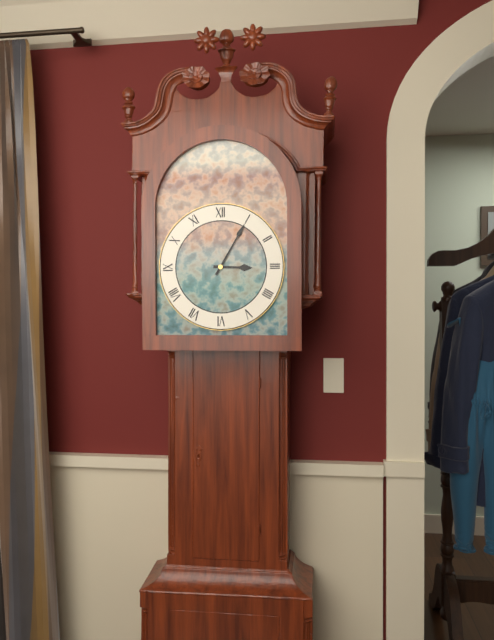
3:05
